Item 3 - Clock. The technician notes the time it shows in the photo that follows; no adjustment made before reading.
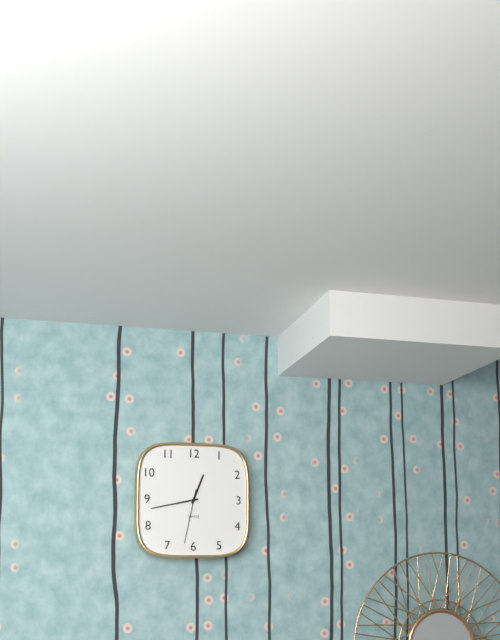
12:43:32
